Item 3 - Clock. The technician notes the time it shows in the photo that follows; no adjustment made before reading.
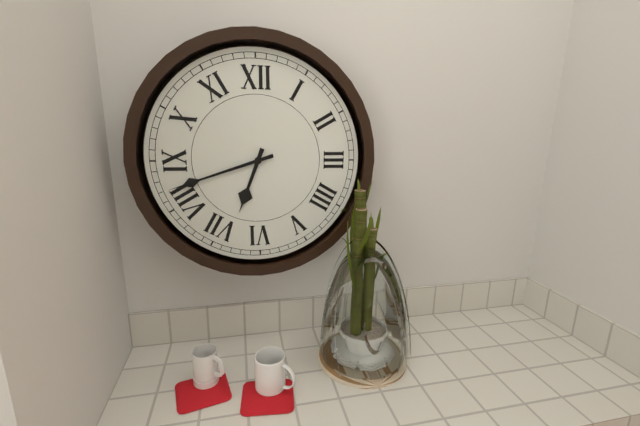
6:42
